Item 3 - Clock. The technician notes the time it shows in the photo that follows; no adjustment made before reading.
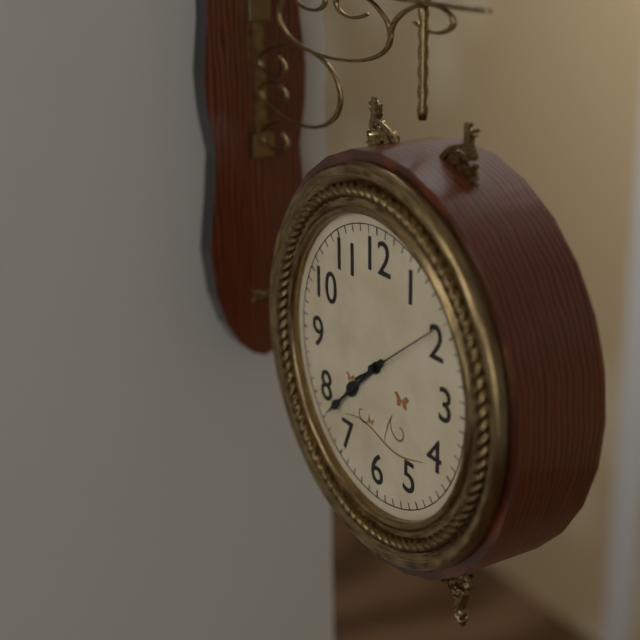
7:38:09
